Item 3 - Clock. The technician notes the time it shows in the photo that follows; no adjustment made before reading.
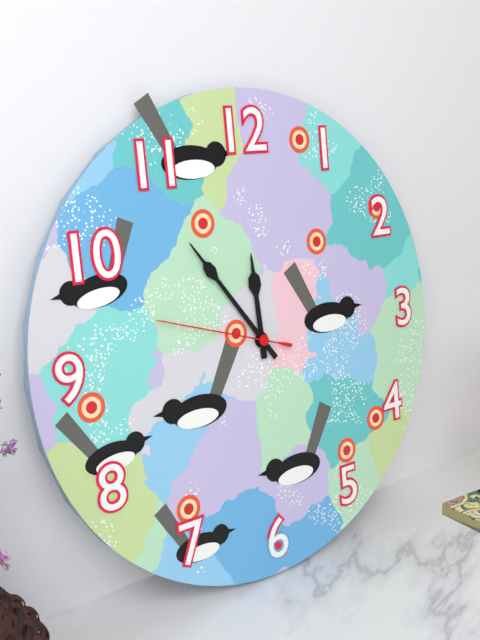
11:54:48
